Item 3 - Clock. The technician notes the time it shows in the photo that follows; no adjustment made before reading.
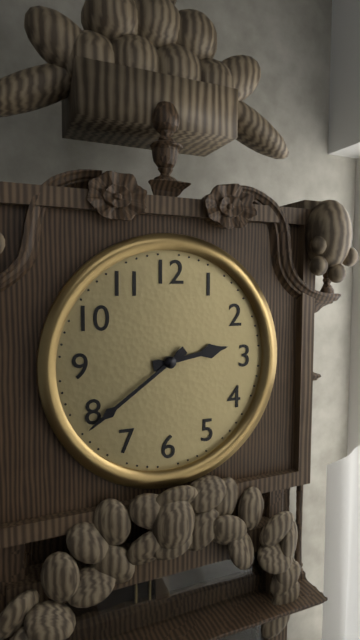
2:39
